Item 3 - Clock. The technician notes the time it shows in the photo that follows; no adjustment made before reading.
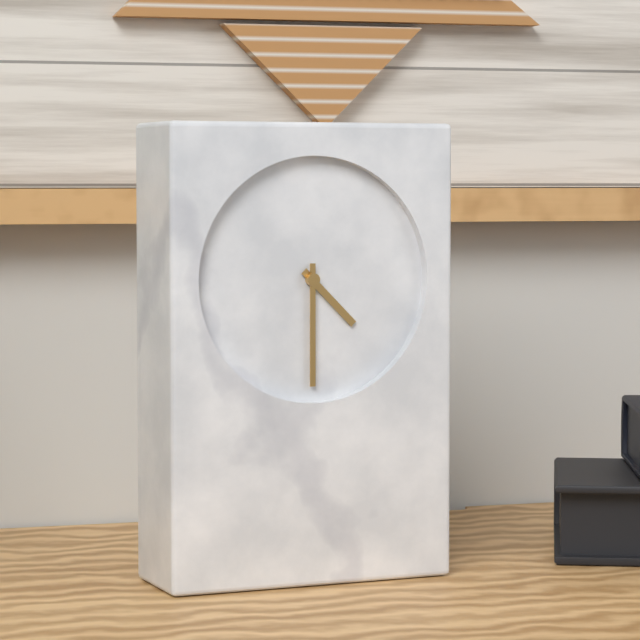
4:30
